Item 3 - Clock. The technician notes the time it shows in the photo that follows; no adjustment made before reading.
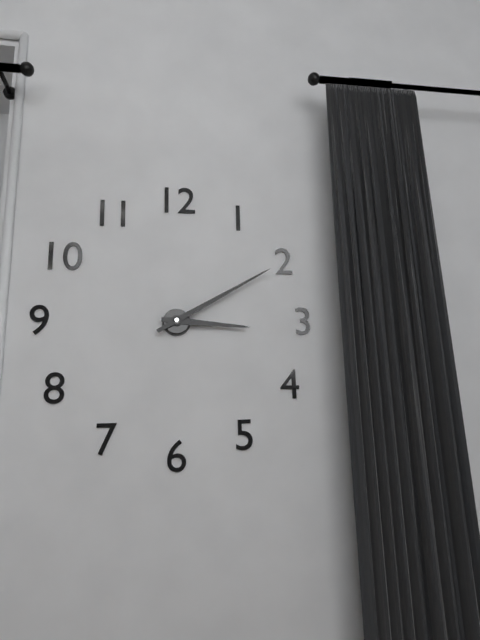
3:10
